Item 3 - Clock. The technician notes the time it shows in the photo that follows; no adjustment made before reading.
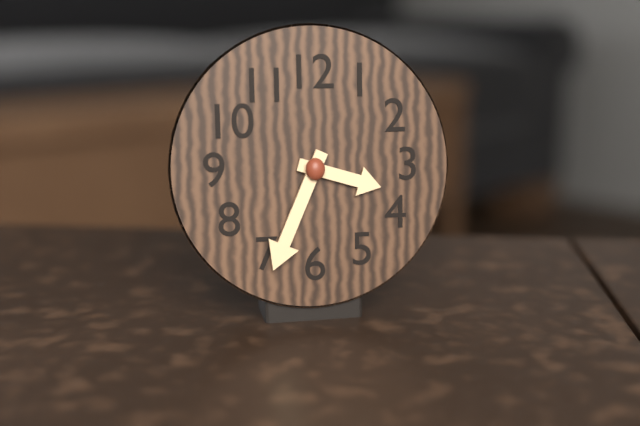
3:34
